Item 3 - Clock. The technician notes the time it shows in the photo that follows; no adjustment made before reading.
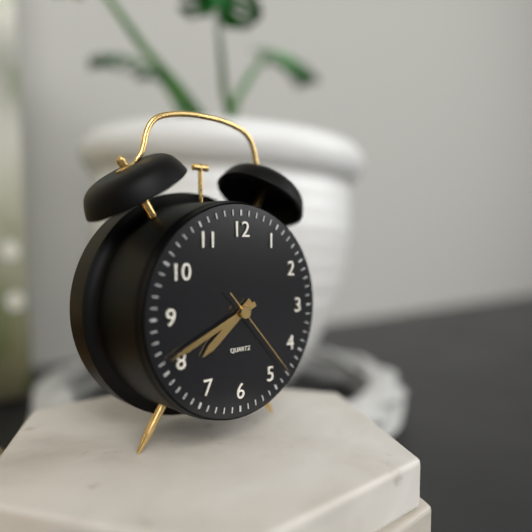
7:41:23
